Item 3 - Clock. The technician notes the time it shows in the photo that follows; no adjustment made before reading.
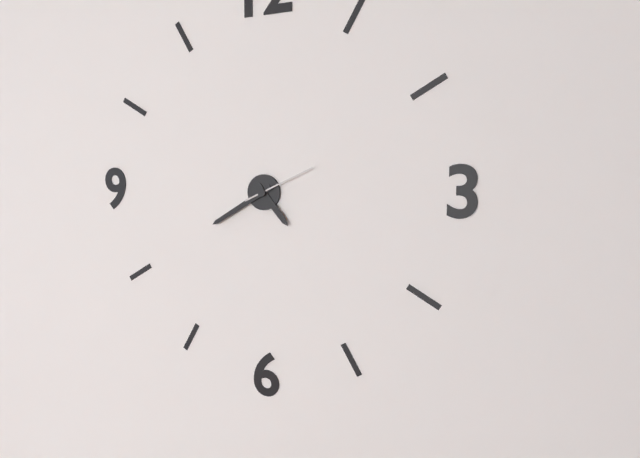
4:40:11
